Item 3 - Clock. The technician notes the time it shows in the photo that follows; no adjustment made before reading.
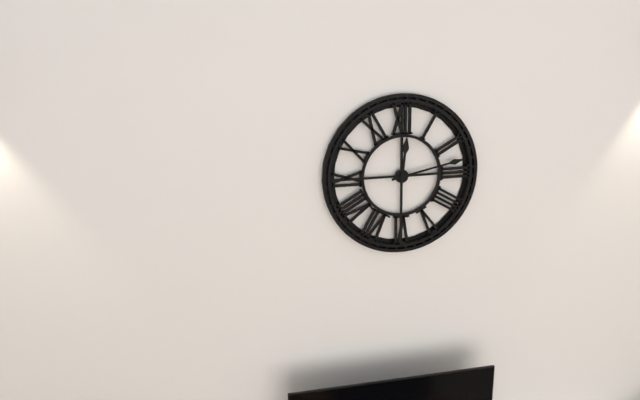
12:13
